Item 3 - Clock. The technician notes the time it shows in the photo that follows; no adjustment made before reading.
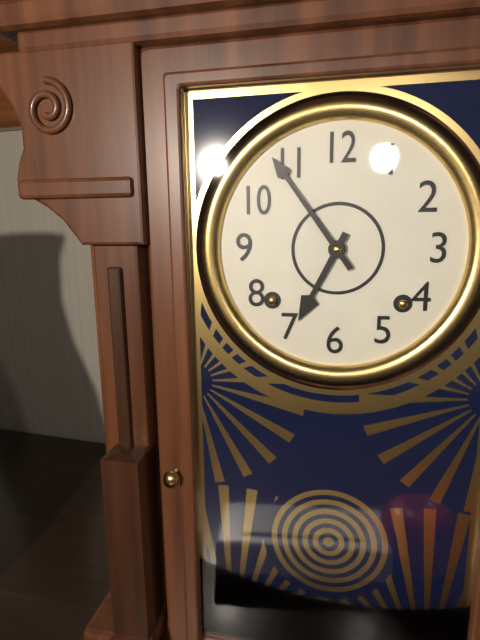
6:54
